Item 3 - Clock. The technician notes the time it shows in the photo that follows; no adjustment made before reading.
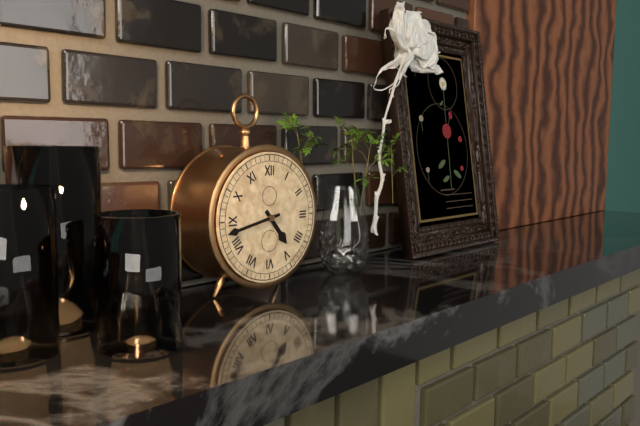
4:43
